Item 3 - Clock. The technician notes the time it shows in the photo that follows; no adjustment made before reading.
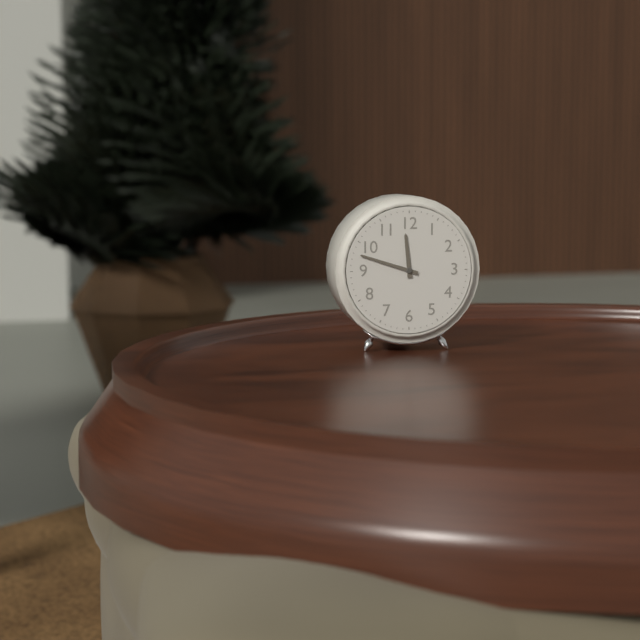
11:48
